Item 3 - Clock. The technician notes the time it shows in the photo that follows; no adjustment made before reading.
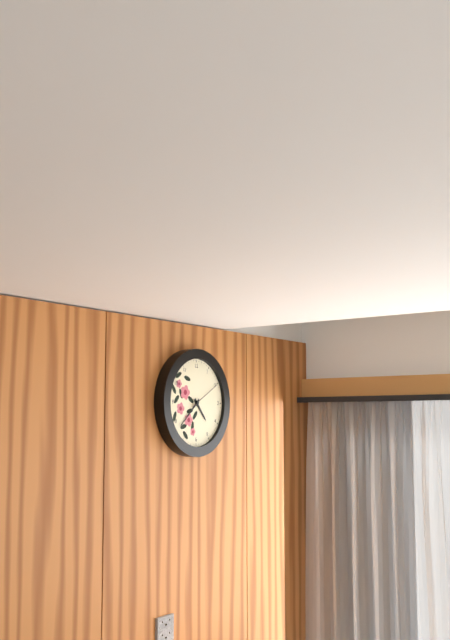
4:38
